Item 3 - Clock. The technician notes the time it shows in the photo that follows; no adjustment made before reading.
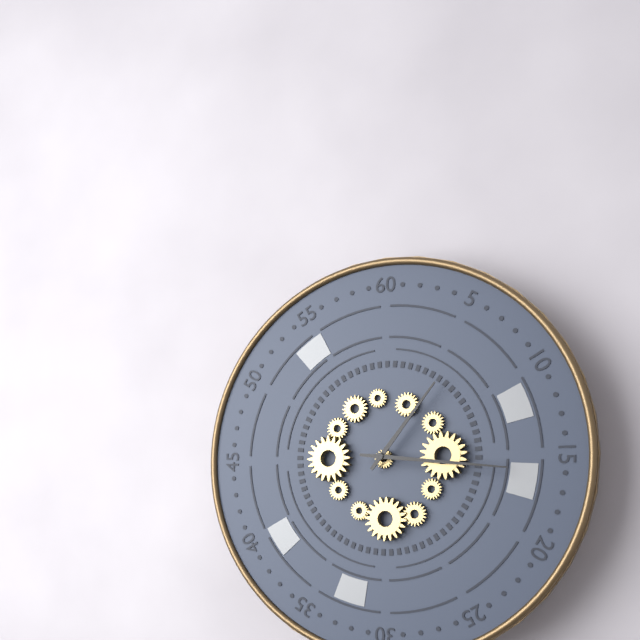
1:16
